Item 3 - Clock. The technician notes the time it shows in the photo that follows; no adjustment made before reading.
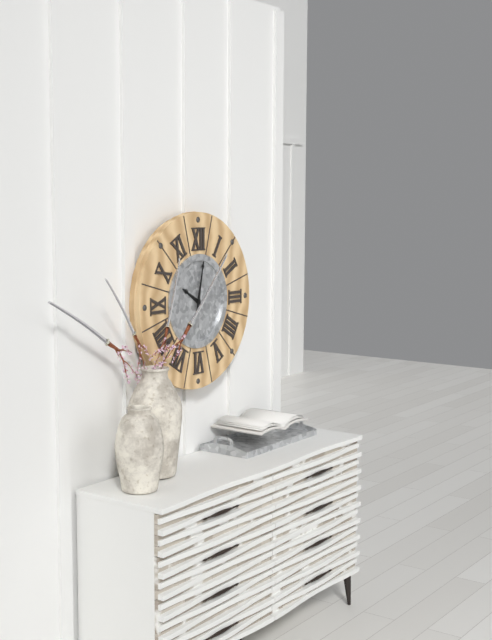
10:02
